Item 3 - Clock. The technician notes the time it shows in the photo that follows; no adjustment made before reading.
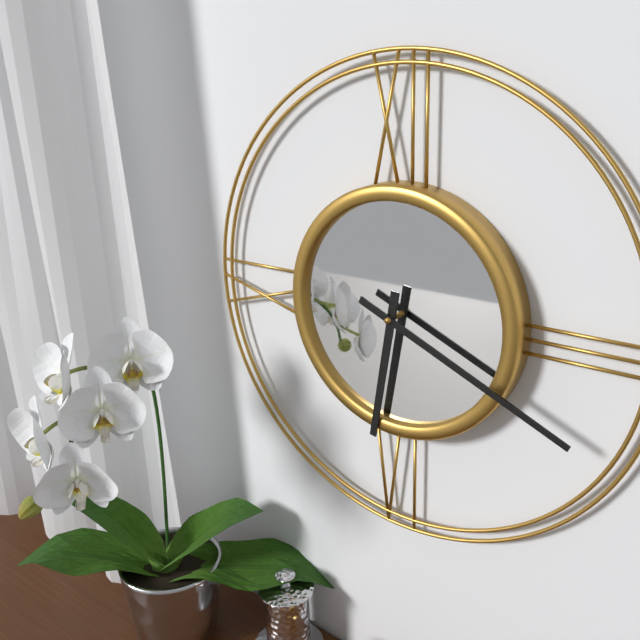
6:19
